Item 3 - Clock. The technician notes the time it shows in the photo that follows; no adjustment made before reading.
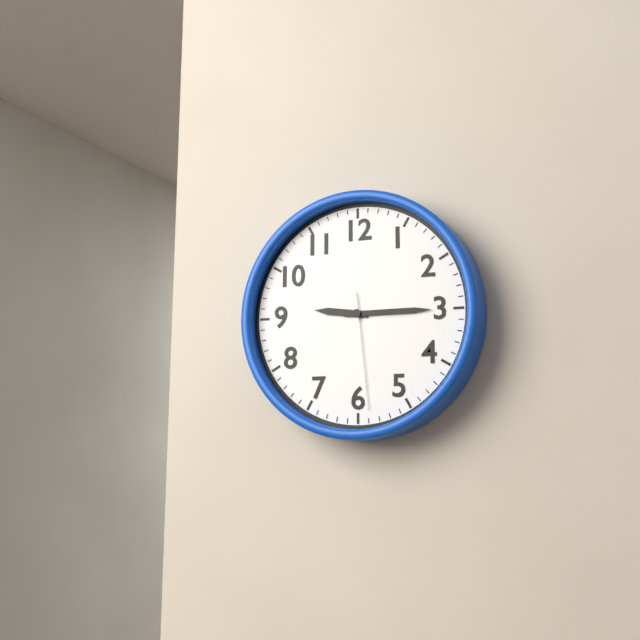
9:15:29
